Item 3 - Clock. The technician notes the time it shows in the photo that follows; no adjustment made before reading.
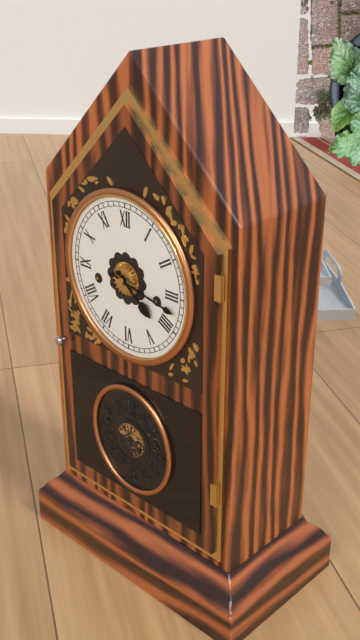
4:17
